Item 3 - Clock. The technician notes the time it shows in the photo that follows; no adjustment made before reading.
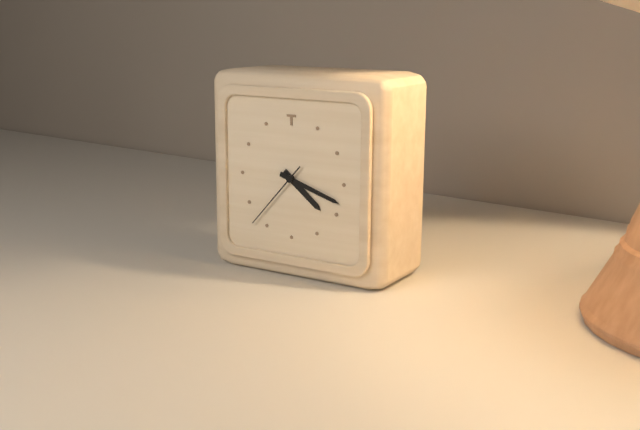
4:18:37
